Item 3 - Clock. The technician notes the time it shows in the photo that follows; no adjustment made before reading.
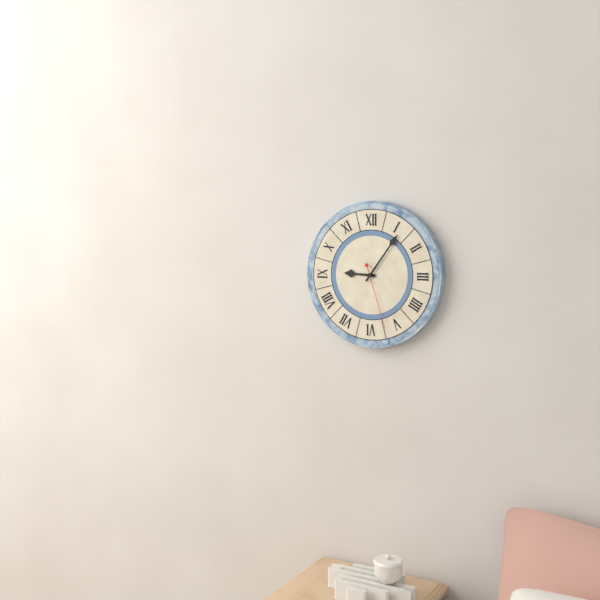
9:06:27
